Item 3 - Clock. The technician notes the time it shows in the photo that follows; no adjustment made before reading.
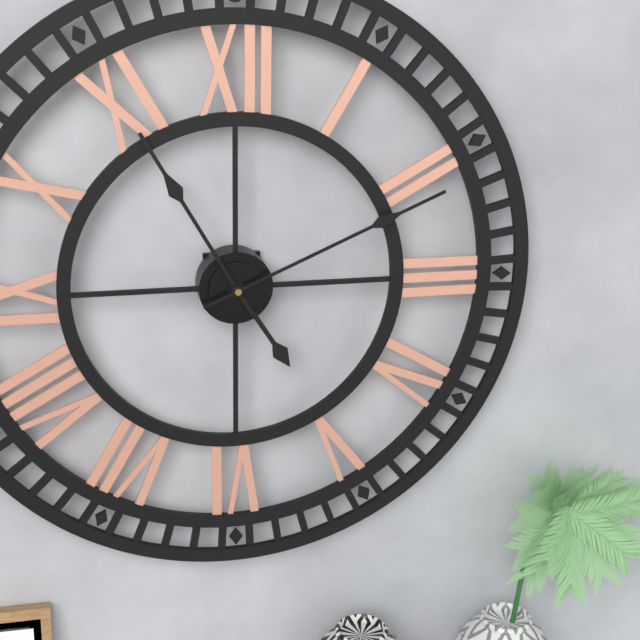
4:55:11
